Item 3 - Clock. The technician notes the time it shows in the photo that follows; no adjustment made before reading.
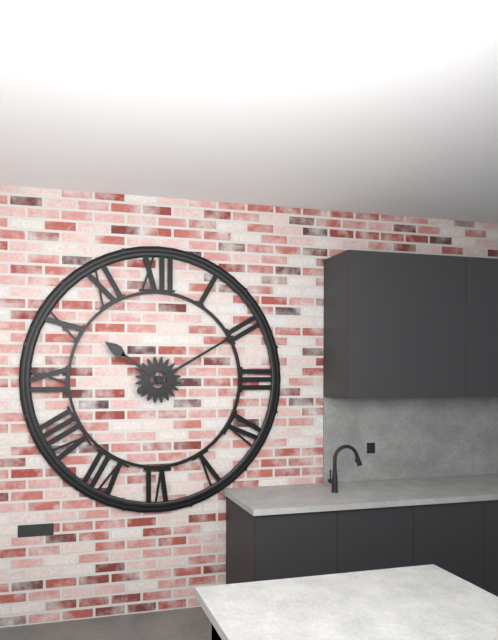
10:10
